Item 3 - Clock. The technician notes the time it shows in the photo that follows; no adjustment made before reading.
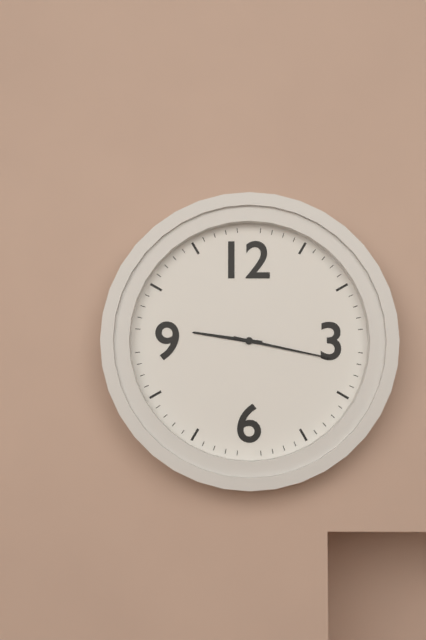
9:17
